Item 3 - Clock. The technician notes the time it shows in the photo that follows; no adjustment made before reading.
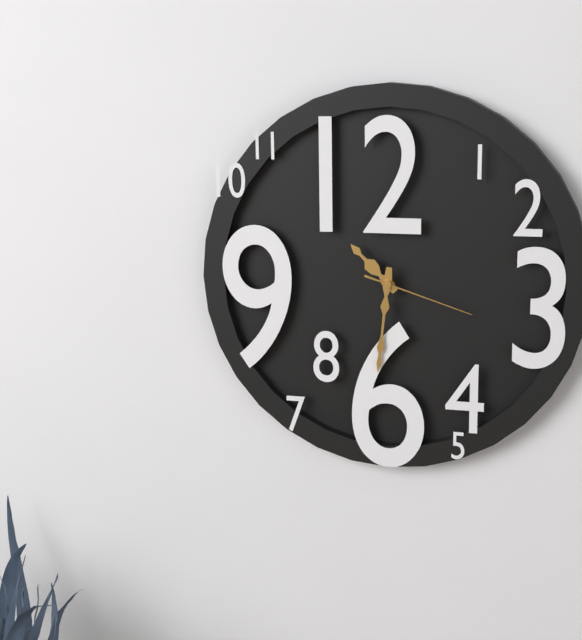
10:31:18
